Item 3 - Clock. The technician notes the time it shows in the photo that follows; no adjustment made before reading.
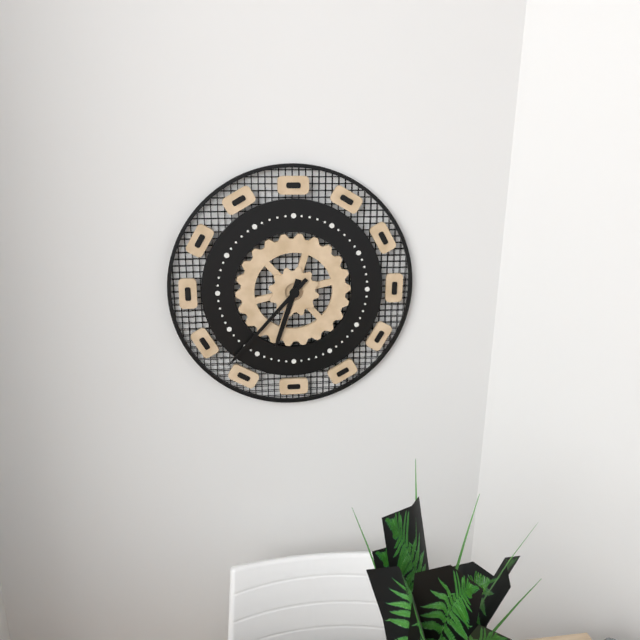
6:37
